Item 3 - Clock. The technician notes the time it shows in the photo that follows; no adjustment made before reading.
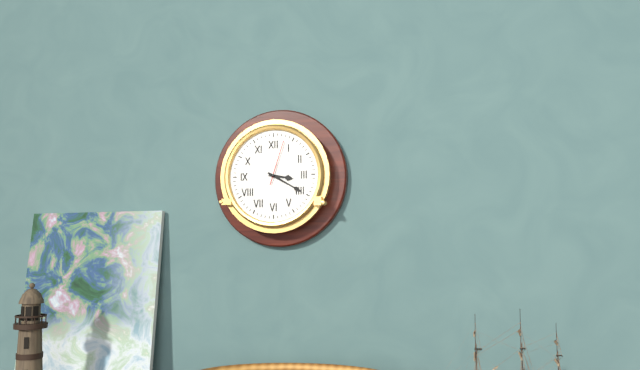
3:20
